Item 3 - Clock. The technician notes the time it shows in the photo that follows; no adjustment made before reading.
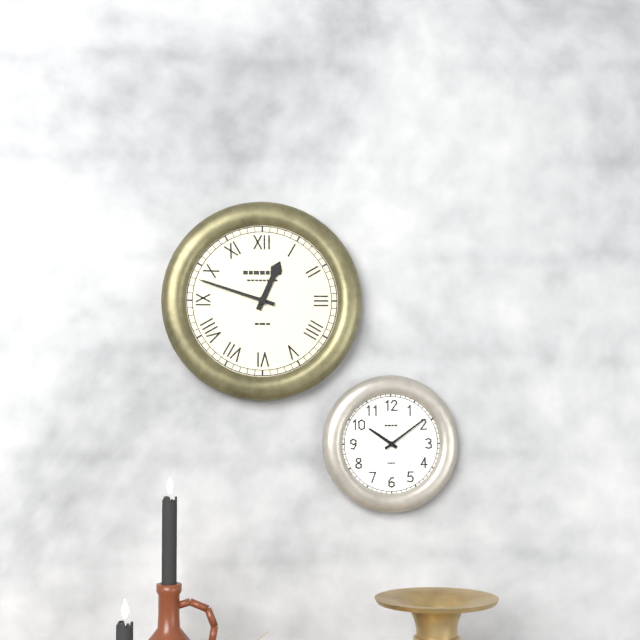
12:48
